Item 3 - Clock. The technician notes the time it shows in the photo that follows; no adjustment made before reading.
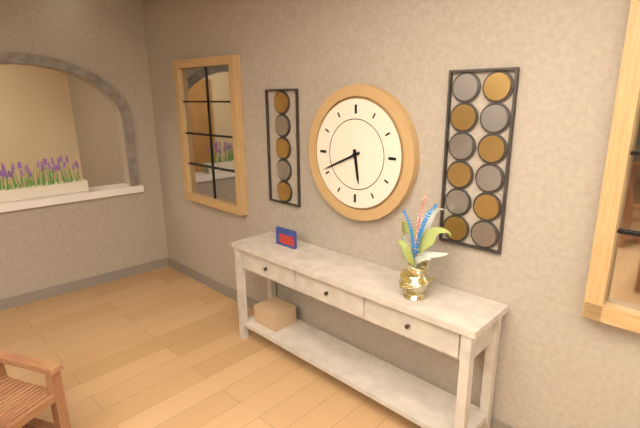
5:41
